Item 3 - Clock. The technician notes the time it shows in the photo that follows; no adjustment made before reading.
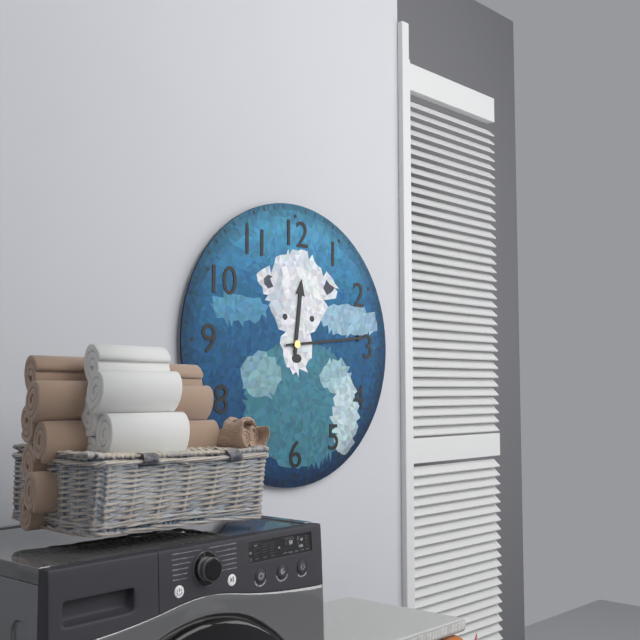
12:14
